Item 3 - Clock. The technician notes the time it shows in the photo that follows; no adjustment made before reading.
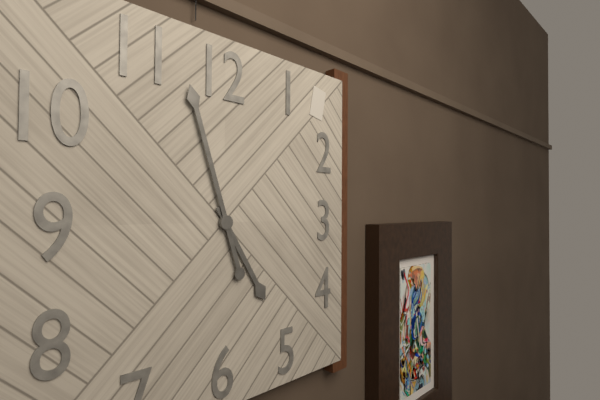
4:57
